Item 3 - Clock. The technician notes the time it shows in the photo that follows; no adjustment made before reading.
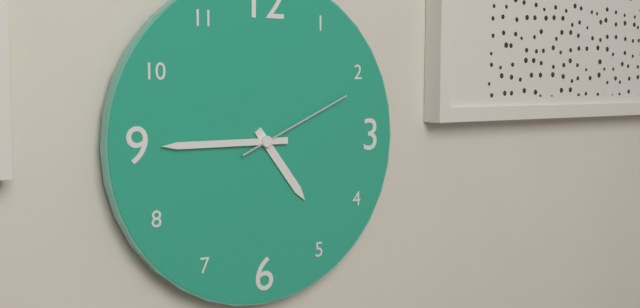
4:45:11
